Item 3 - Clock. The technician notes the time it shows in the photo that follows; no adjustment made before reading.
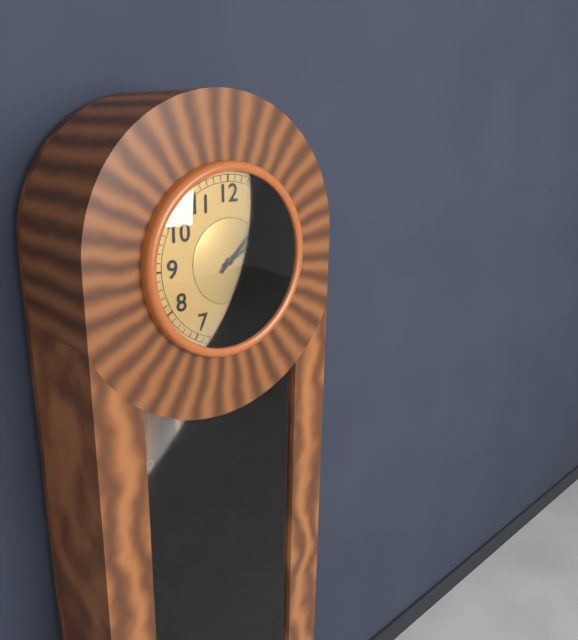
2:08
